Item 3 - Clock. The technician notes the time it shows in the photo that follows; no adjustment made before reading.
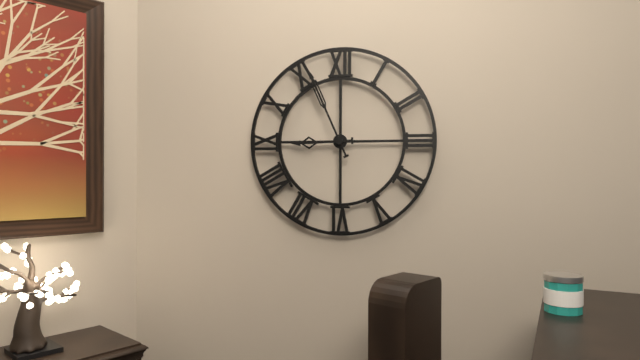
8:56
